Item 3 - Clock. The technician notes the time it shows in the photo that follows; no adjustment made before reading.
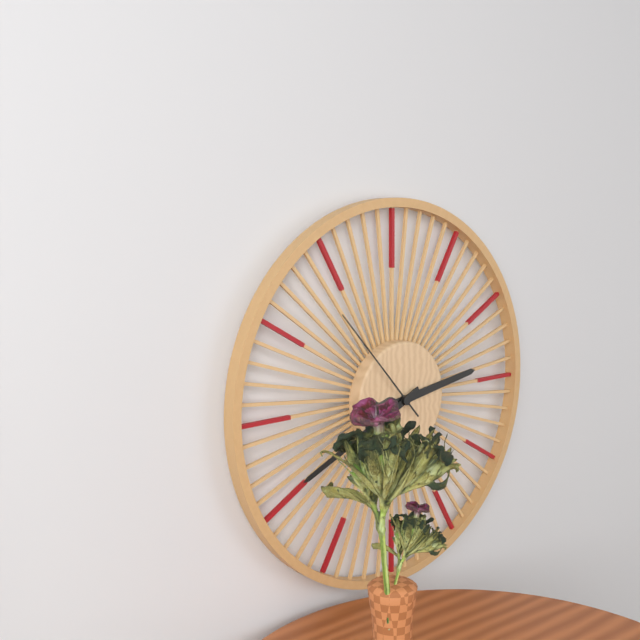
2:41:53
